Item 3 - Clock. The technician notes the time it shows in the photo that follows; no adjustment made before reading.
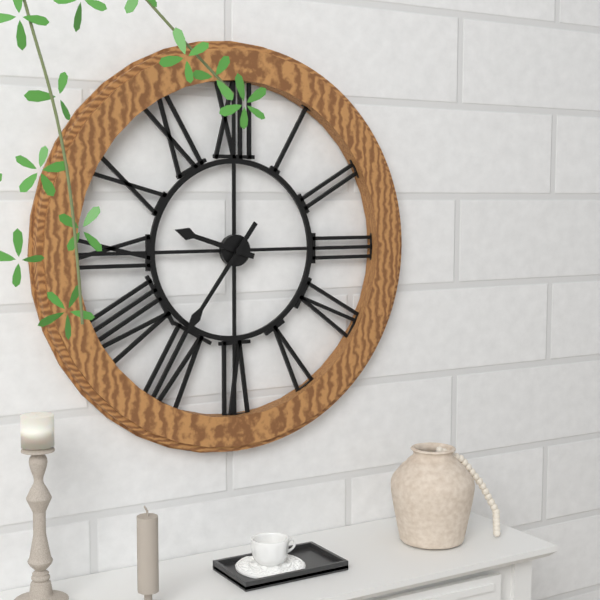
9:36
